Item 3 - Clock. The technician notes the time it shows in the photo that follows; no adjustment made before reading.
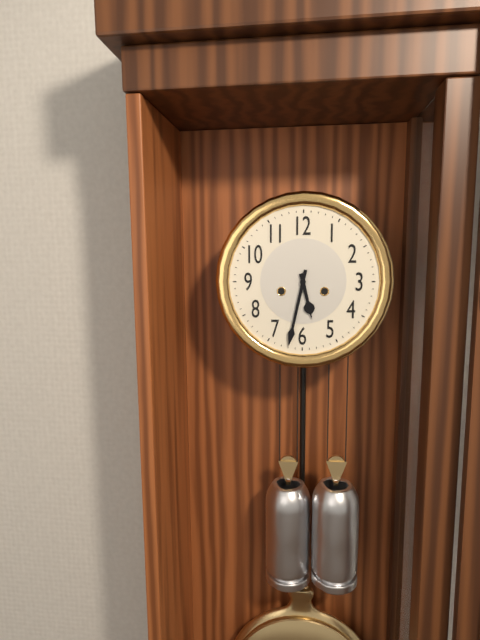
5:32
